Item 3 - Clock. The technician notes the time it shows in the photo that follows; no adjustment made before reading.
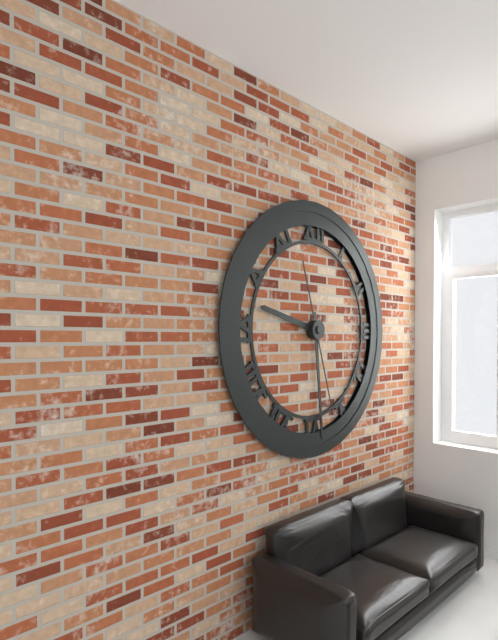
9:29:27
